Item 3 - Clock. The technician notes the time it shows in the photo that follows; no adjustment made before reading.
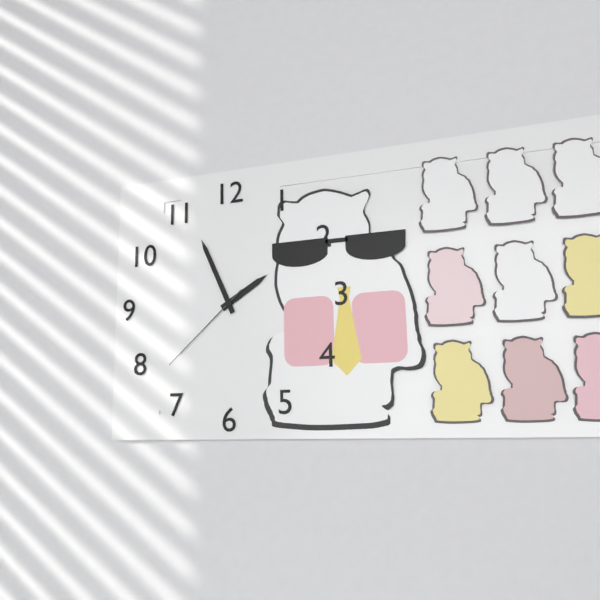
1:56:38
